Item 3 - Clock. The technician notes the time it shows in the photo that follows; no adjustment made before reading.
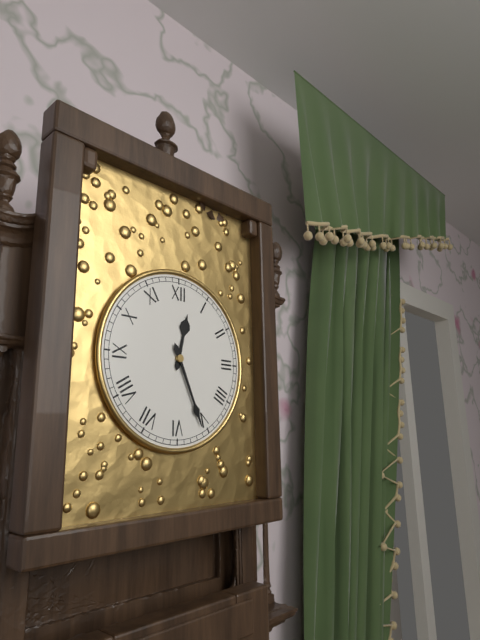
12:26
